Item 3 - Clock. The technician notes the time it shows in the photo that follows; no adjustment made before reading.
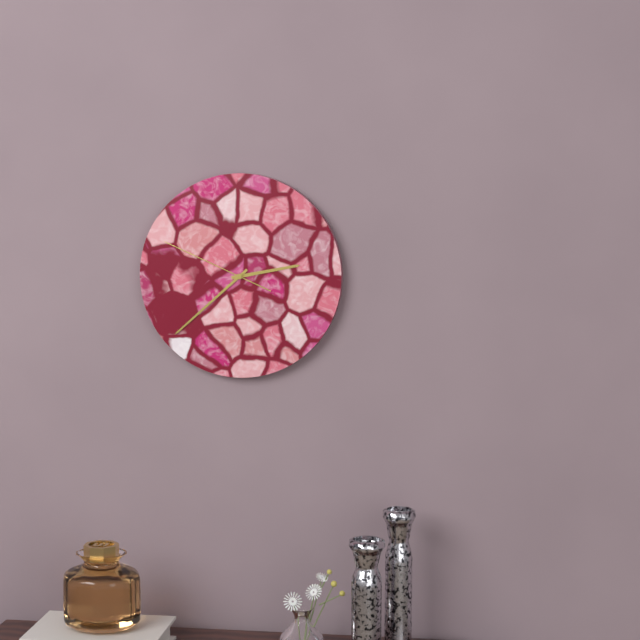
2:38:49
